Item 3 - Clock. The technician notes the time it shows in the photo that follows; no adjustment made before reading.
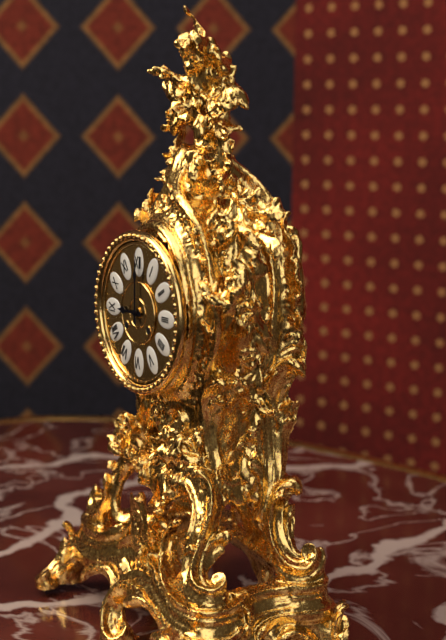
9:00
